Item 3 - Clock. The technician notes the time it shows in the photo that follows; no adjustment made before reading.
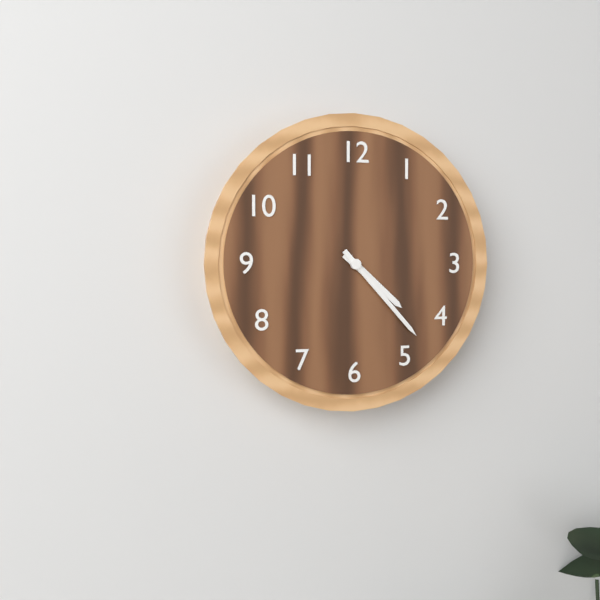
4:23
